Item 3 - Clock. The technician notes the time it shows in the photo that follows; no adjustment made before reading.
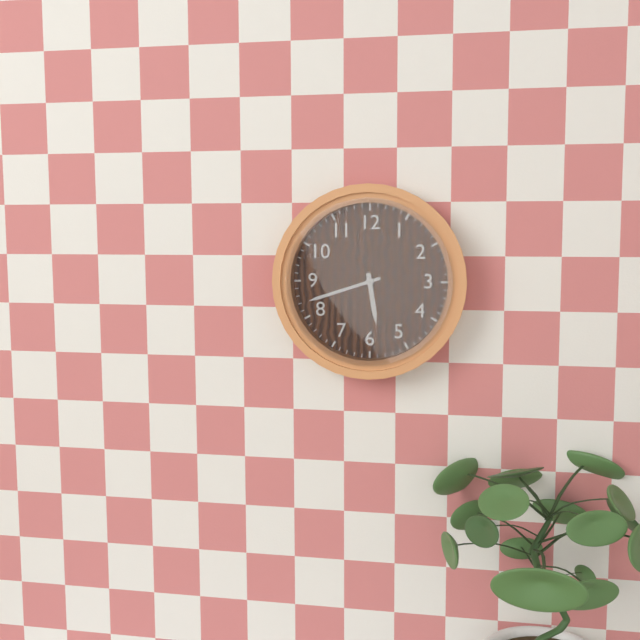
5:42
